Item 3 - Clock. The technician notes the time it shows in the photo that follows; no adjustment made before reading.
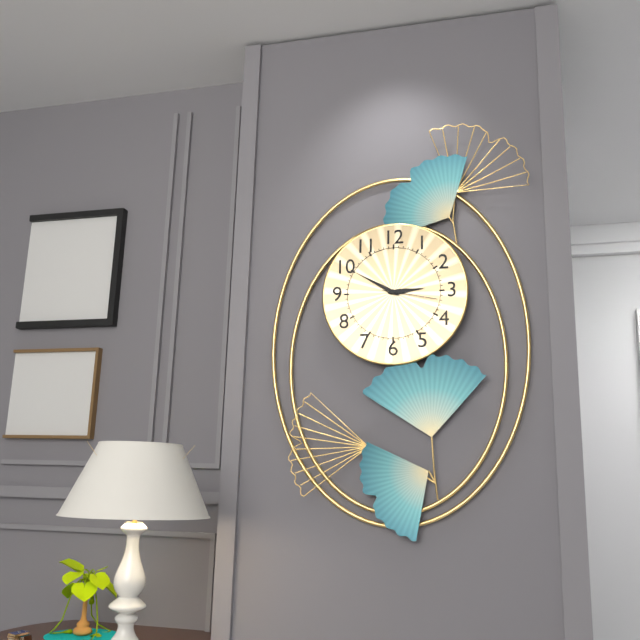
2:50:17
